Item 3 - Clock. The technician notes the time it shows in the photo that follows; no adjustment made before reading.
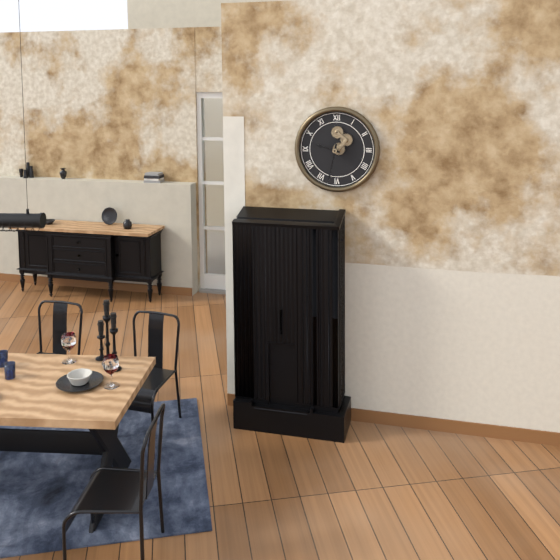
9:32
